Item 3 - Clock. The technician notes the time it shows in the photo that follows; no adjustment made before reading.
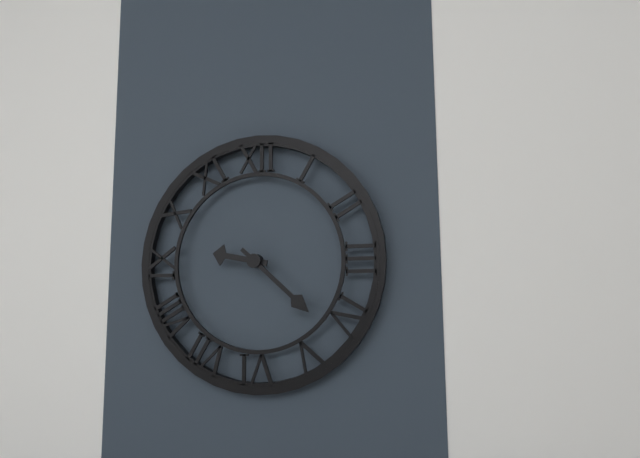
9:22
